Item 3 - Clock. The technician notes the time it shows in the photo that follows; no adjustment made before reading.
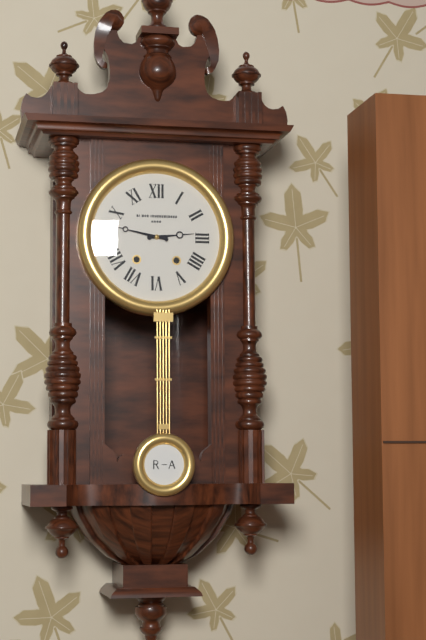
2:47
